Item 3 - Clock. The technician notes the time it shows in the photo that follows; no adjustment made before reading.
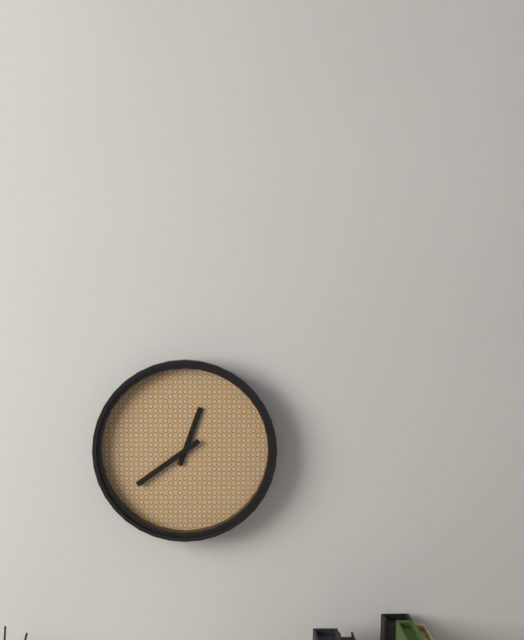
12:39
